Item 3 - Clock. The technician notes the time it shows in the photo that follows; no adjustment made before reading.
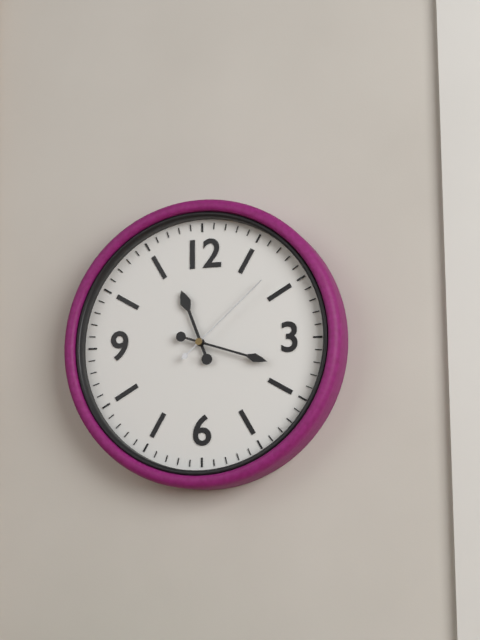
11:18:08
